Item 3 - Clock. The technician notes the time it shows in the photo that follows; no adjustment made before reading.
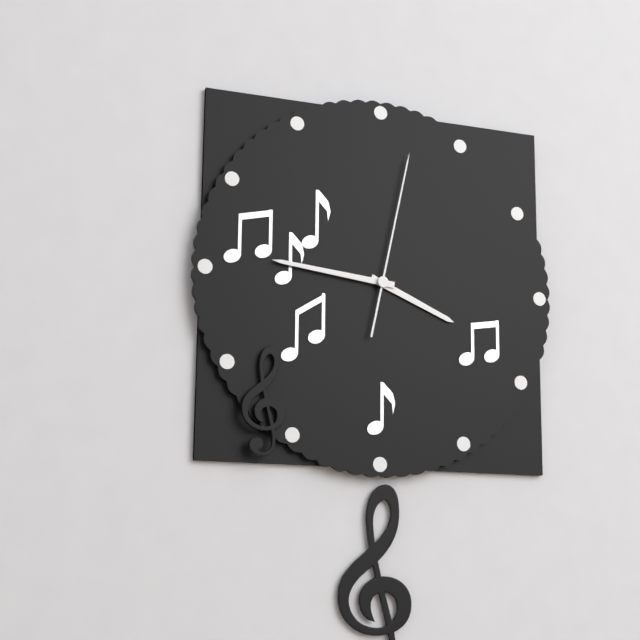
3:46:02
